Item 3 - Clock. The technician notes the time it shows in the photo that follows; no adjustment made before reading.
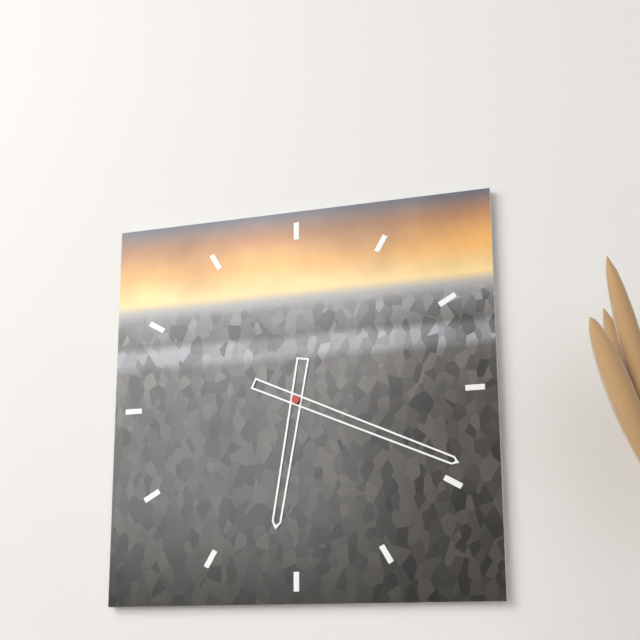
6:19
